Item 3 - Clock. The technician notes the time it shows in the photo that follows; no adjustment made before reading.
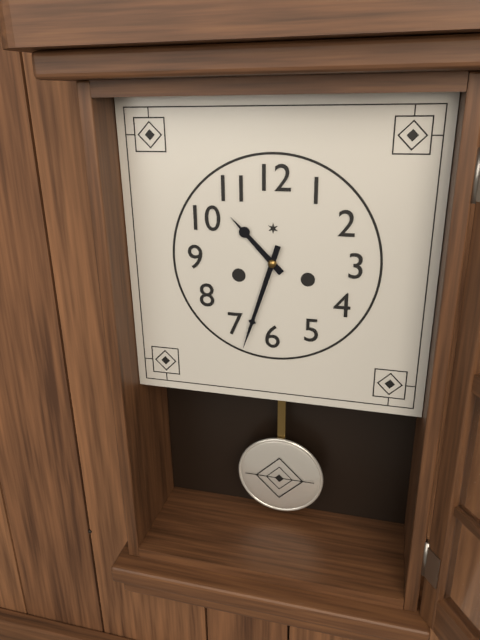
10:33
